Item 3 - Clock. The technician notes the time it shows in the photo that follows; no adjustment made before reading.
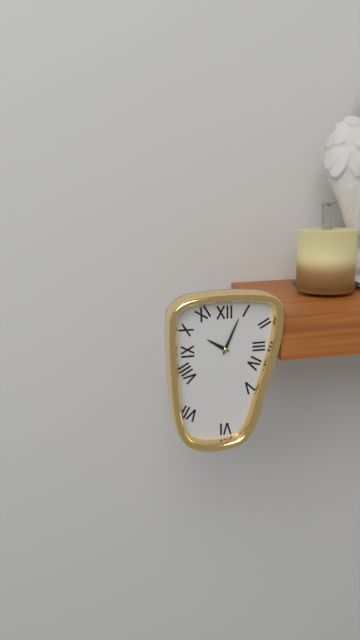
10:04
